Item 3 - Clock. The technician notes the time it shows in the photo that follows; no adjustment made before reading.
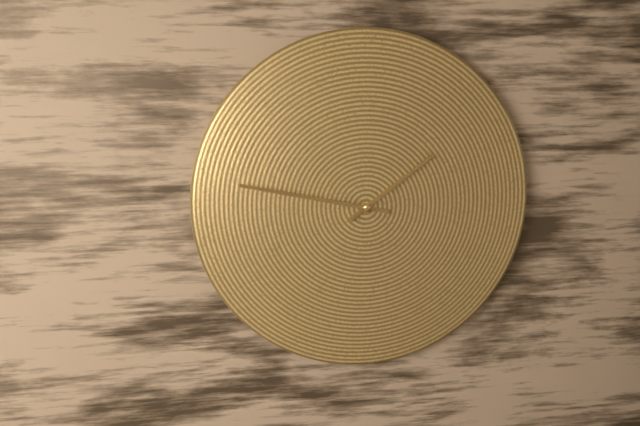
1:47
